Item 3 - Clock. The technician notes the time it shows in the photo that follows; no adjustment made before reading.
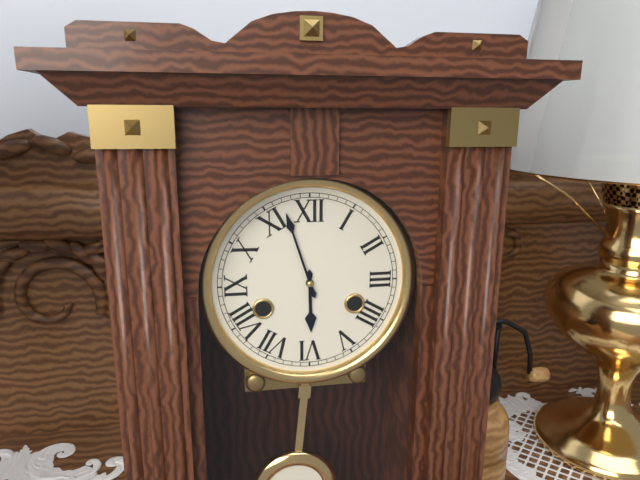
5:57
